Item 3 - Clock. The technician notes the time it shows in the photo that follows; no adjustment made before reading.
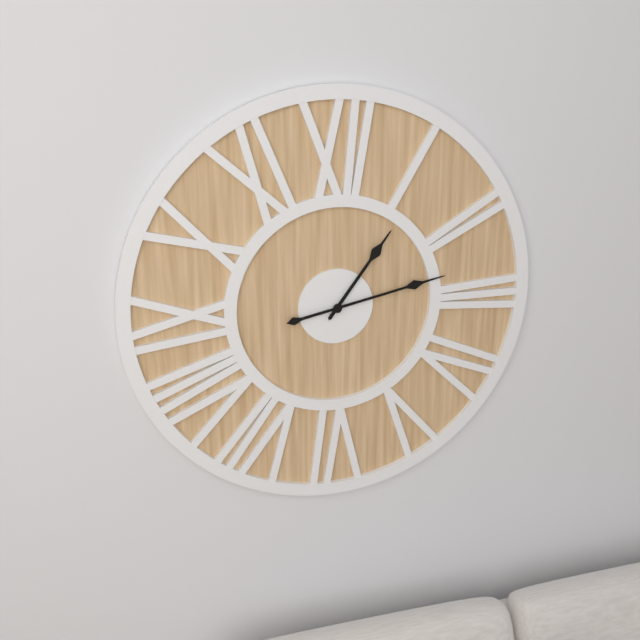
1:13
